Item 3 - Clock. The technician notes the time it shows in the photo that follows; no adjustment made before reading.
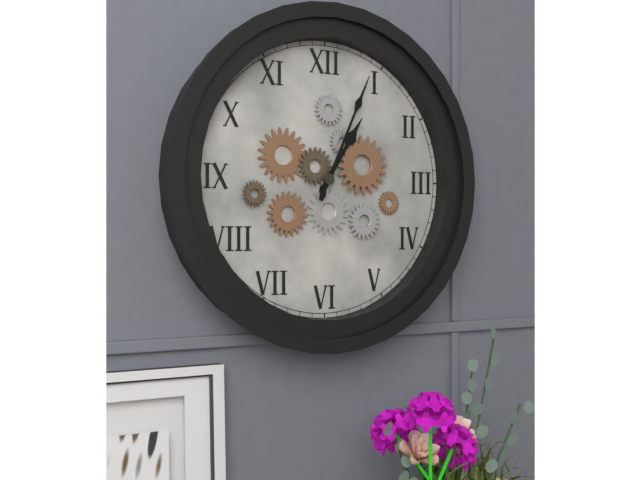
1:04
